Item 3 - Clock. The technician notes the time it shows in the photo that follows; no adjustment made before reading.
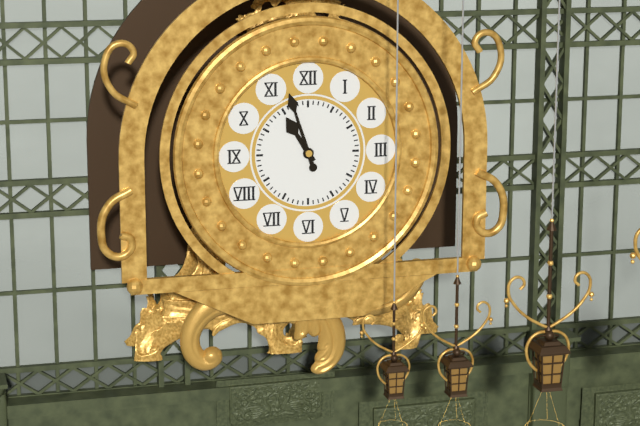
10:57
